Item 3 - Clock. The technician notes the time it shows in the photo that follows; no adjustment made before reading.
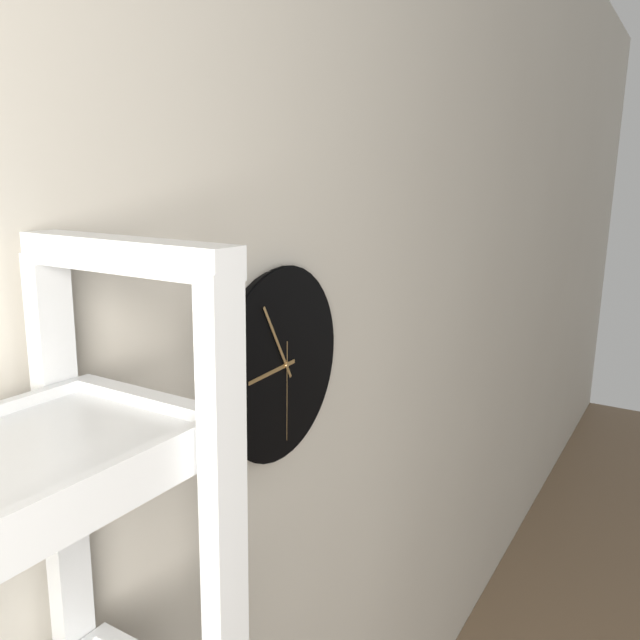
8:55:30
